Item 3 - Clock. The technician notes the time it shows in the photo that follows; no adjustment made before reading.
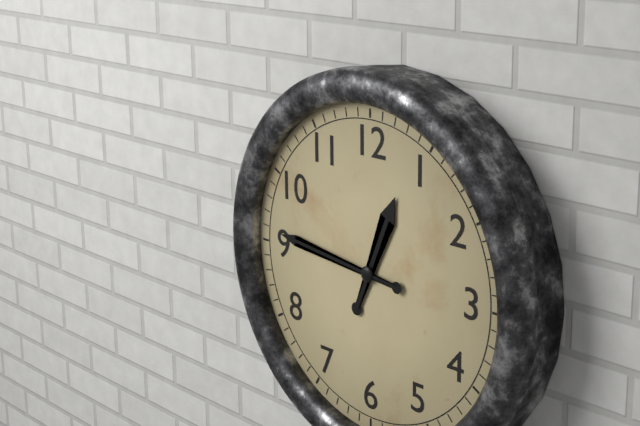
12:46
